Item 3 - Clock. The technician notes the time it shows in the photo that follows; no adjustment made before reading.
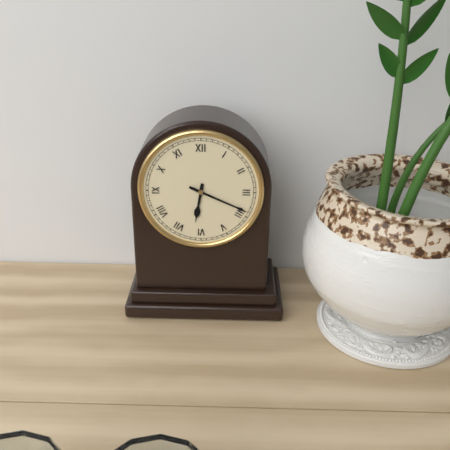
6:19
